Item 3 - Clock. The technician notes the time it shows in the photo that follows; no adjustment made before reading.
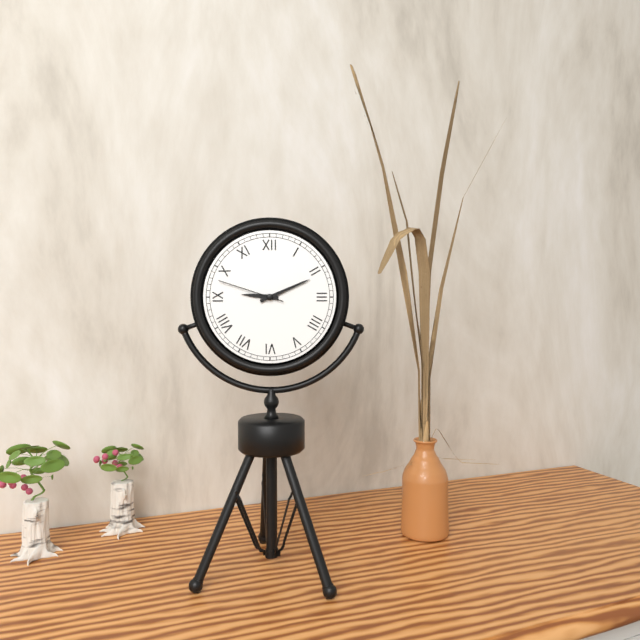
9:11:48
